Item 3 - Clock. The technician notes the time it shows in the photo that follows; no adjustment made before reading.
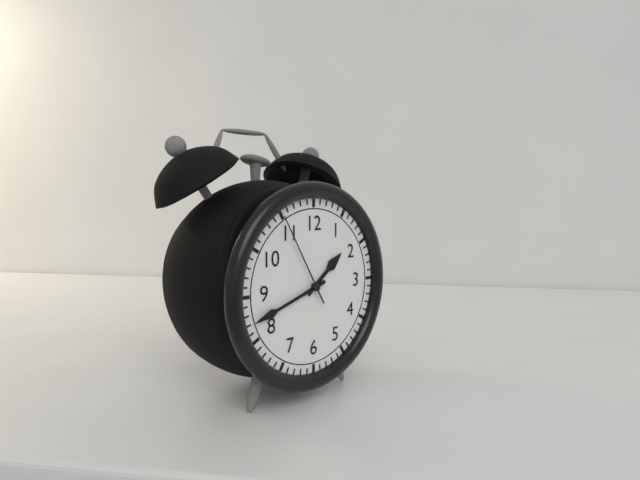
1:42:55
